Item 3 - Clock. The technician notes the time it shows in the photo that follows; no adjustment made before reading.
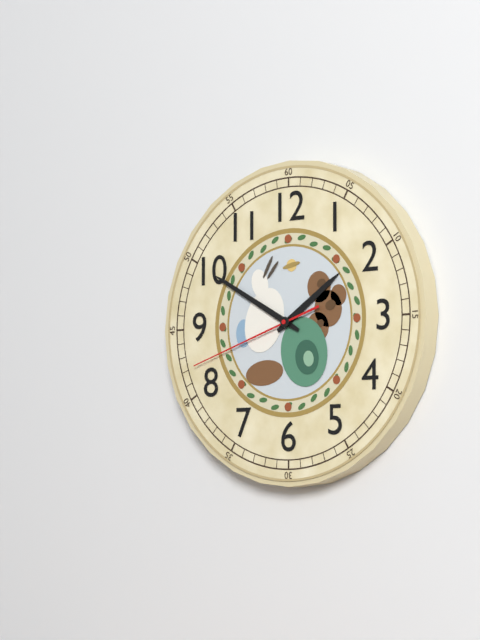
1:50:42
